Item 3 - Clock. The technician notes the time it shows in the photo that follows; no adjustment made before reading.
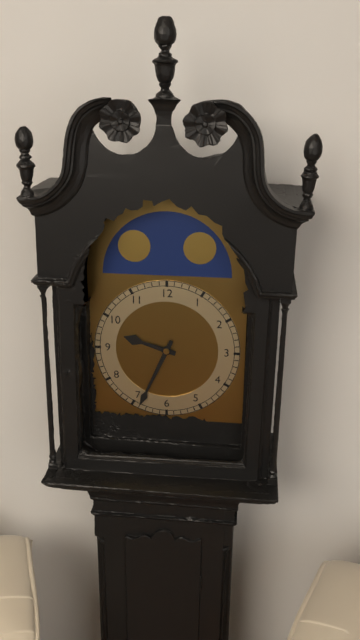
9:34
